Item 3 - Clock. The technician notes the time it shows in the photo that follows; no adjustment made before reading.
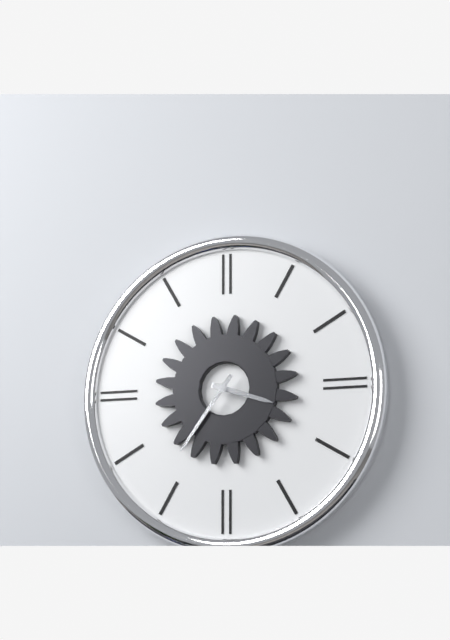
3:36
